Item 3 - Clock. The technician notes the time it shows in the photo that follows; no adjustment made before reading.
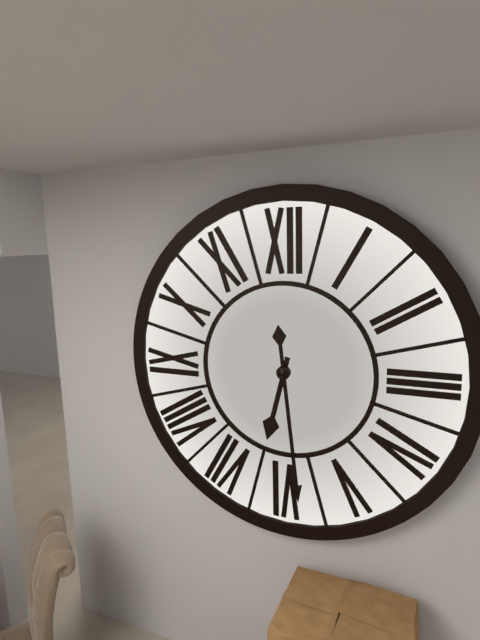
6:29
